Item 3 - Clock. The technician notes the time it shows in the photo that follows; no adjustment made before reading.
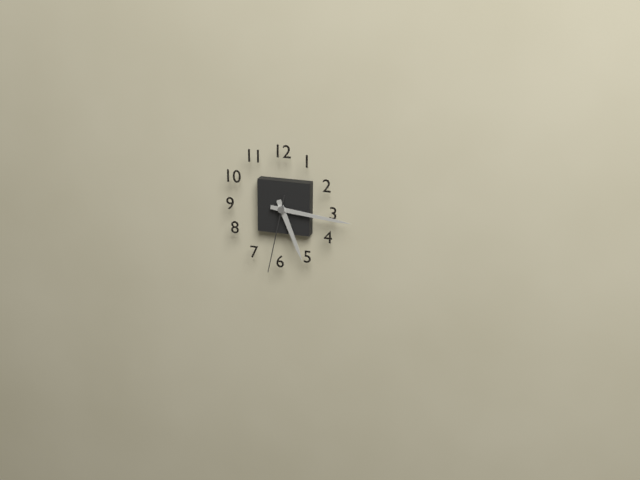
5:16:32
